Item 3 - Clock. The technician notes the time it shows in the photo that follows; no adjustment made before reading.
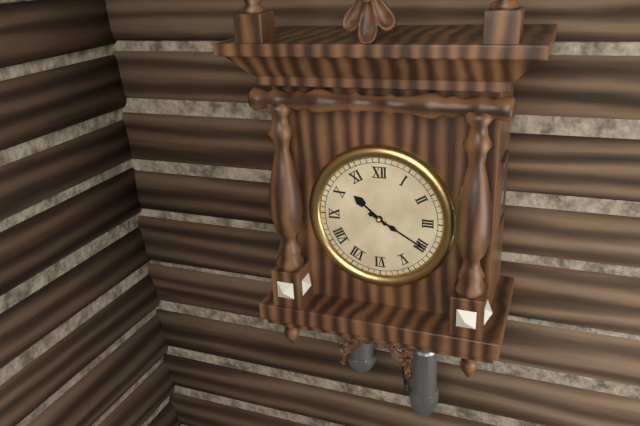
10:20
